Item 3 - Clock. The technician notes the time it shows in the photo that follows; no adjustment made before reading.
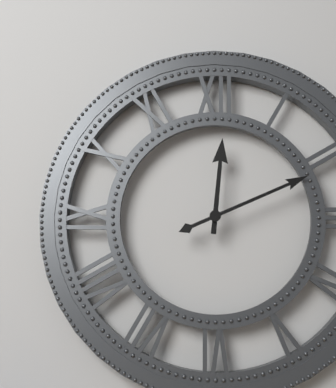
12:11
